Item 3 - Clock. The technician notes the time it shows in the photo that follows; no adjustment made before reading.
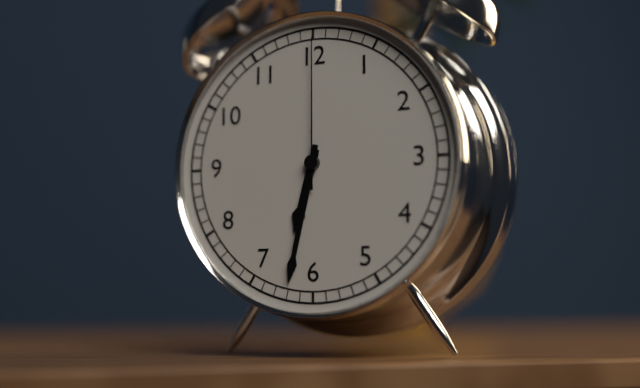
6:32:00
